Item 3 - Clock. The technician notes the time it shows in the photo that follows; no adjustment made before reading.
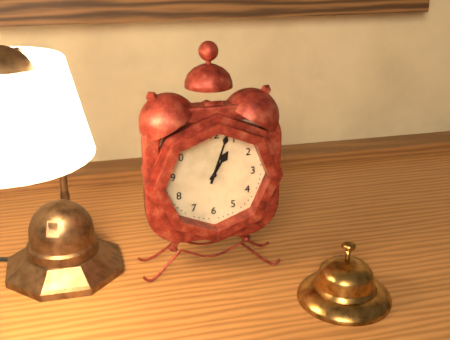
1:03
